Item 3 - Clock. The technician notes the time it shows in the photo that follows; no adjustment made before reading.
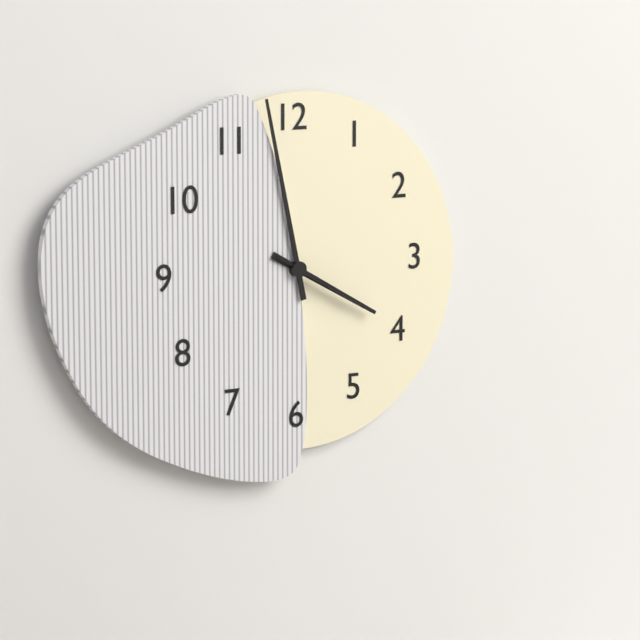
3:58:20
